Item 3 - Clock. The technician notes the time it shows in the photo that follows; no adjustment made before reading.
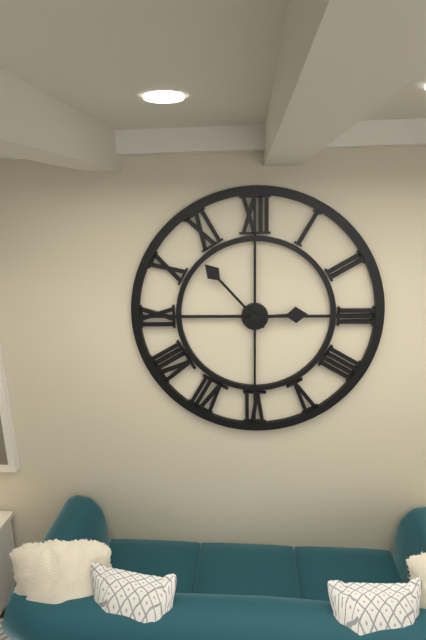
2:53
